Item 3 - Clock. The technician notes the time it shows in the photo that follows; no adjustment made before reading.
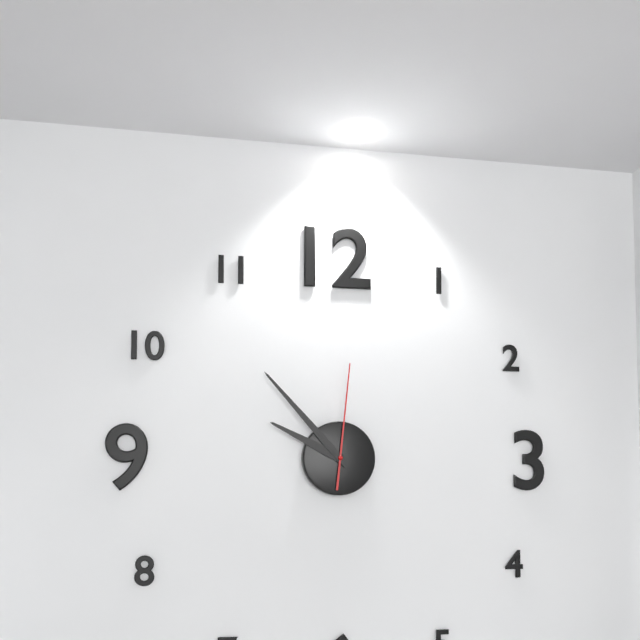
9:53:01
